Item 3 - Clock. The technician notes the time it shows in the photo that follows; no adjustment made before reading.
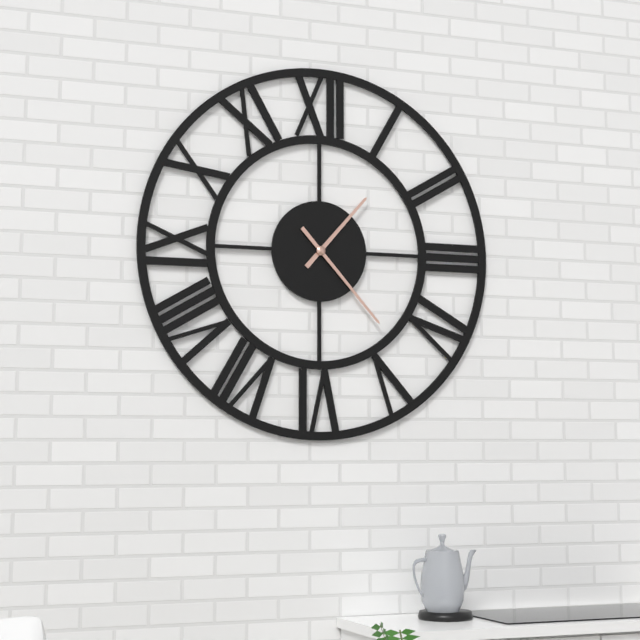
1:23
